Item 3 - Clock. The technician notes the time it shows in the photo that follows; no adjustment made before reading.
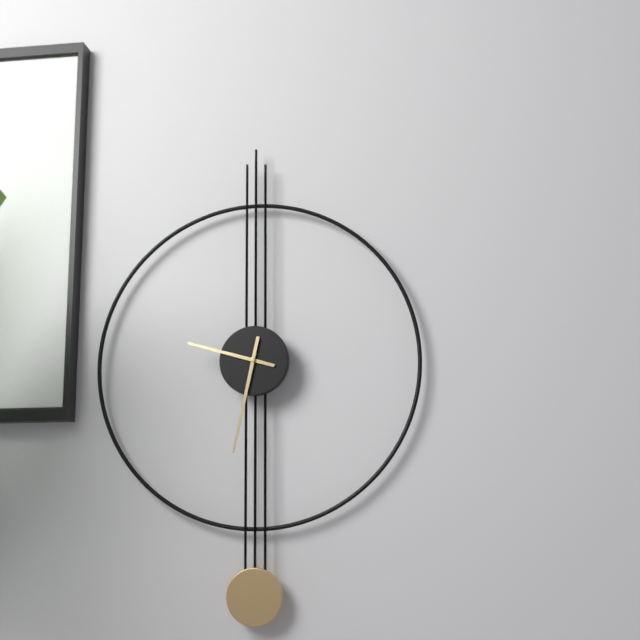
9:32
